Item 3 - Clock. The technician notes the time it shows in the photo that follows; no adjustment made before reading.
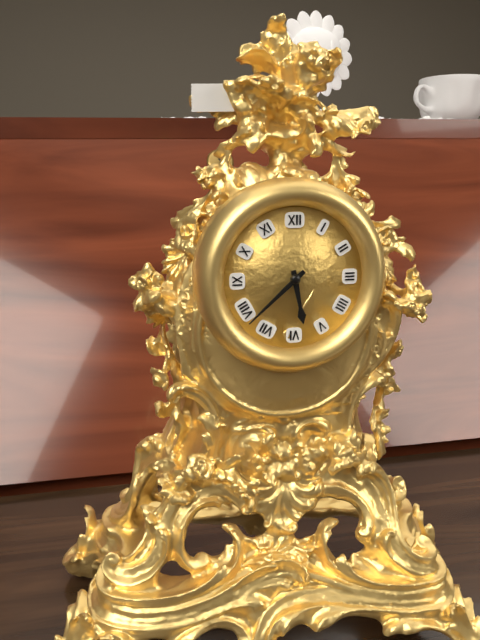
5:38
